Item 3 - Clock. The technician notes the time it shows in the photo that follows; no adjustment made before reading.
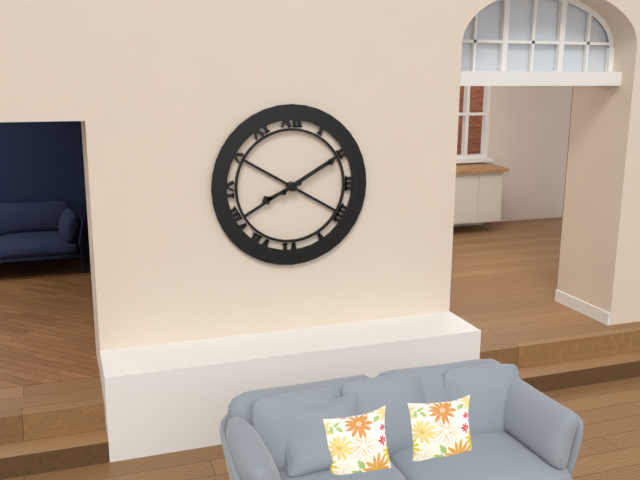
8:10
